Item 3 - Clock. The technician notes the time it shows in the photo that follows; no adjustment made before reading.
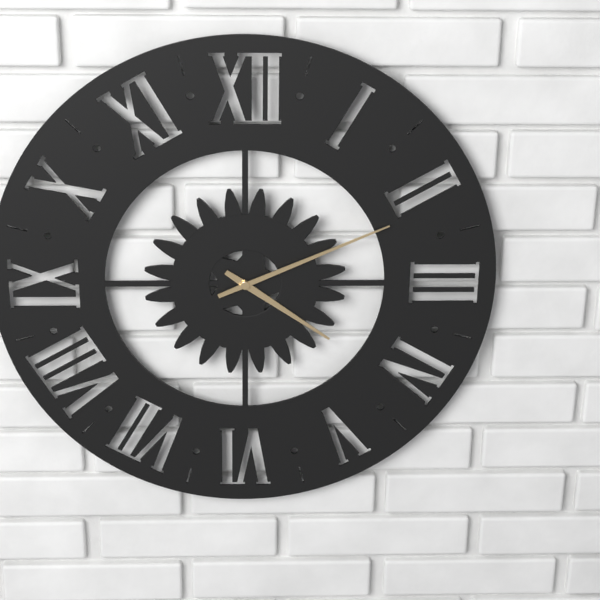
4:11
